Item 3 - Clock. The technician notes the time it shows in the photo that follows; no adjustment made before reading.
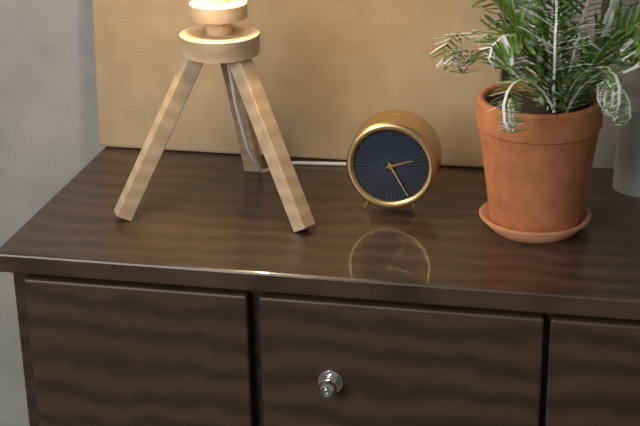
2:25
